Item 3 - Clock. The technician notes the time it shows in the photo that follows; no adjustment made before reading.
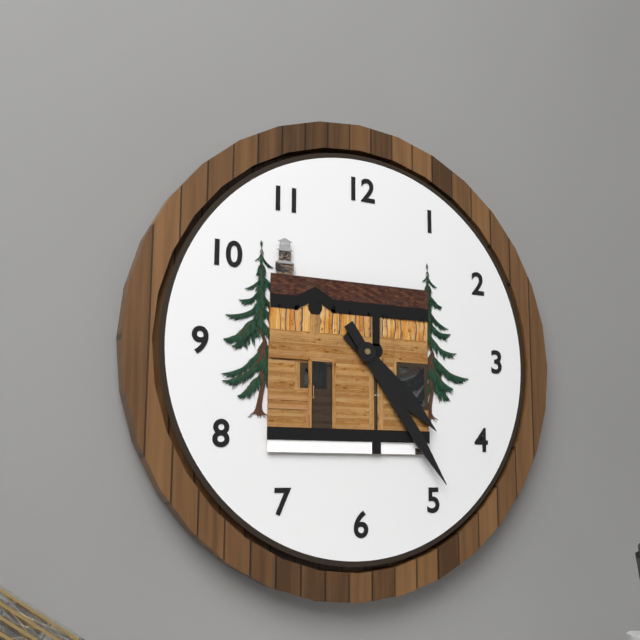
4:24
